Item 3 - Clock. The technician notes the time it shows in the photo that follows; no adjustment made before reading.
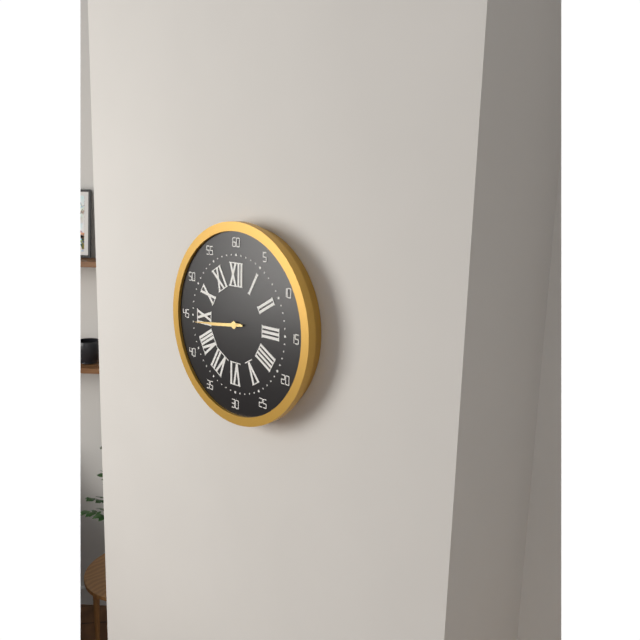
8:44
